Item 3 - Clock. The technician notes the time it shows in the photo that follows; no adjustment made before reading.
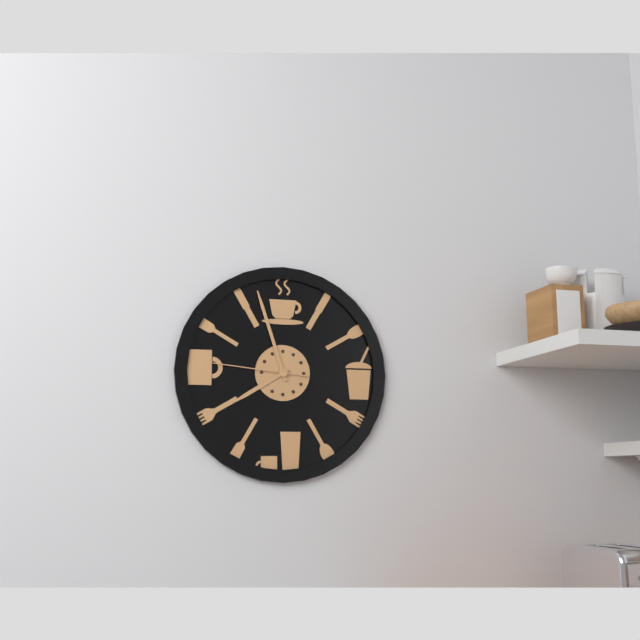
7:57:46
